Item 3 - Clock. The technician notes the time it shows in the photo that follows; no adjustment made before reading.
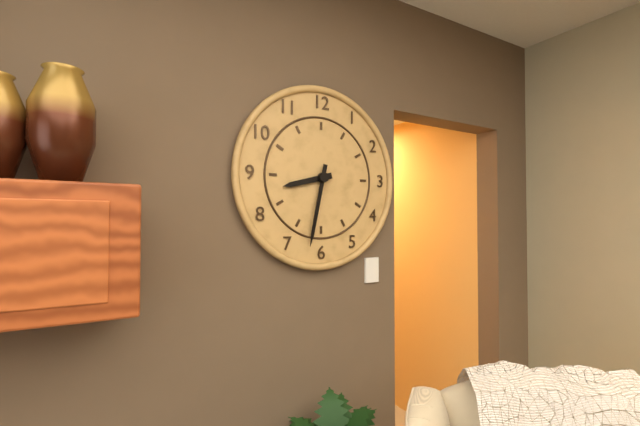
8:32
